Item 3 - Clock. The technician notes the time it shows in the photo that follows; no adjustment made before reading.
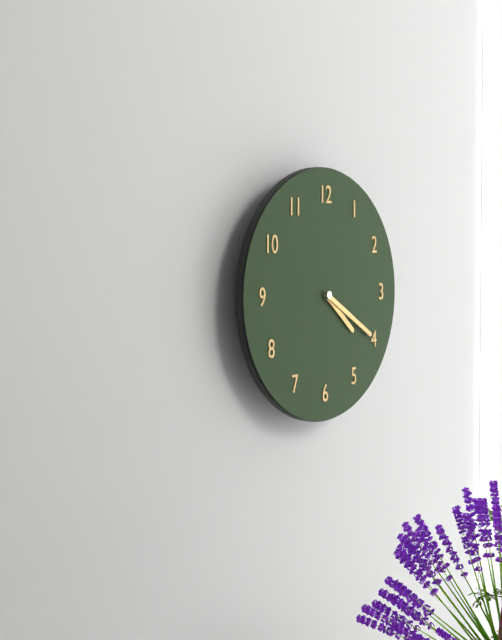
4:20
